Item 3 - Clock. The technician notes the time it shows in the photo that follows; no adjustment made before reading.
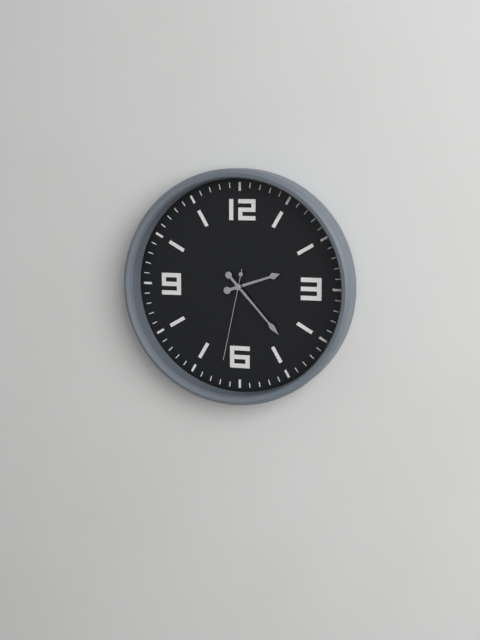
2:23:32
